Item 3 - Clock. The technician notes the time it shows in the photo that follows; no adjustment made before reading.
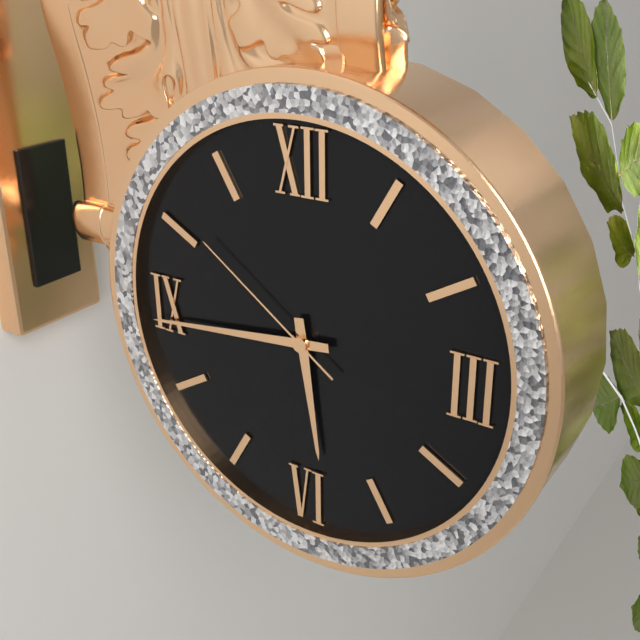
5:44:51
